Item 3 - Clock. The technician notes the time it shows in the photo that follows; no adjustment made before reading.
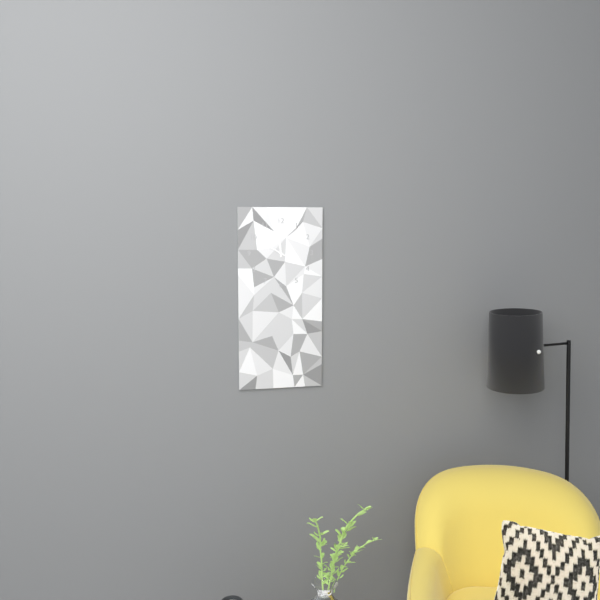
11:50
